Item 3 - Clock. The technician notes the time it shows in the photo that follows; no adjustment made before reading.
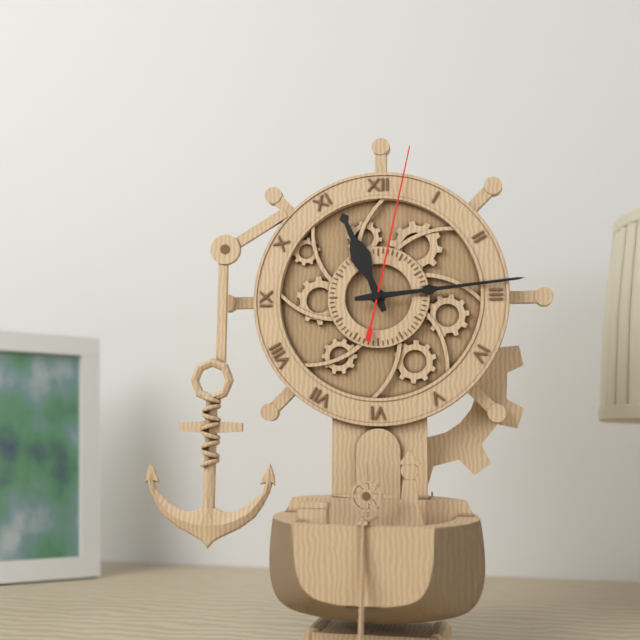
11:14:02
